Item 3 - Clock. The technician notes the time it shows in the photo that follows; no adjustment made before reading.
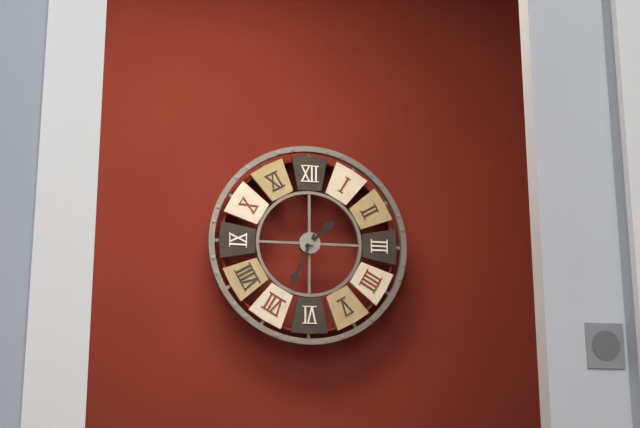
1:34
